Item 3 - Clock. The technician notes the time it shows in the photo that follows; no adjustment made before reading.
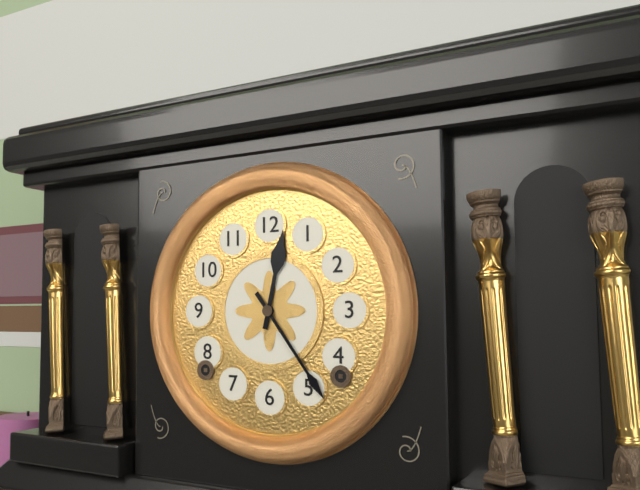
12:24
